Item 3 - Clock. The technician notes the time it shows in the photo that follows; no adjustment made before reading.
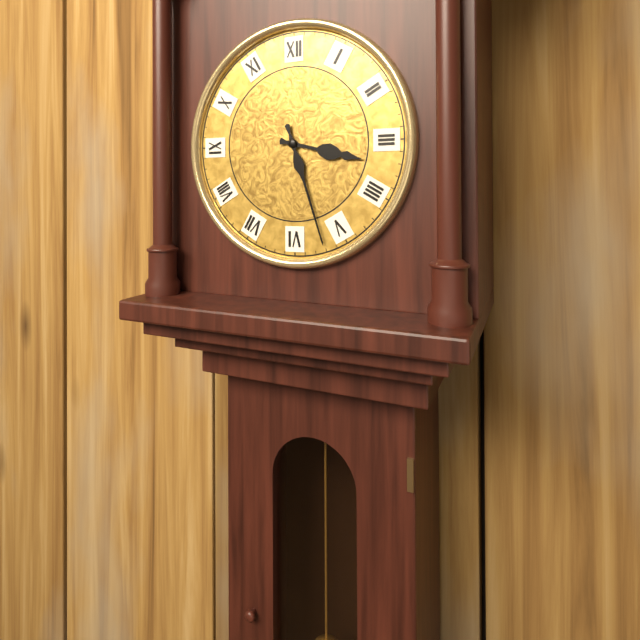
3:27
